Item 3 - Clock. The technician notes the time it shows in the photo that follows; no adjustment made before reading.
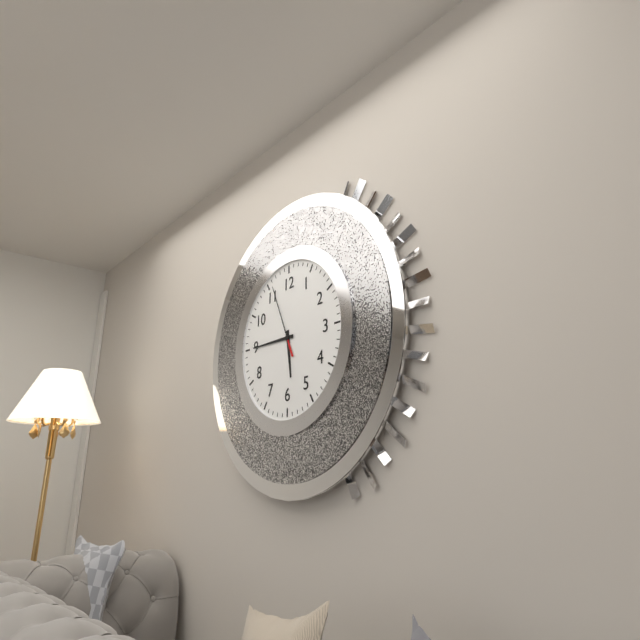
5:45:56
